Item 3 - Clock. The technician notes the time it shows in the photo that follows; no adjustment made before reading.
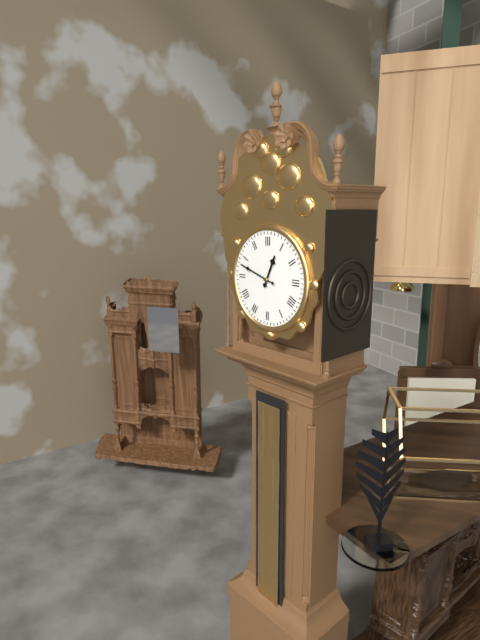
12:48
